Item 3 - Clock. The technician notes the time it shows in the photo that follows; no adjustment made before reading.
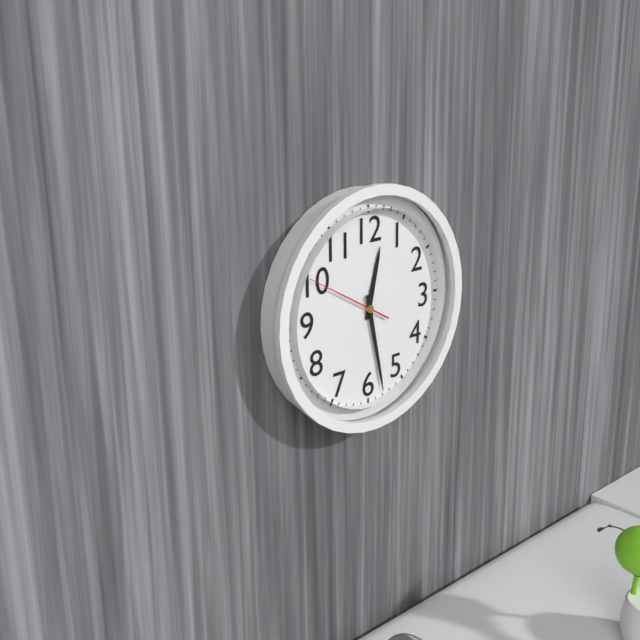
12:28:50
